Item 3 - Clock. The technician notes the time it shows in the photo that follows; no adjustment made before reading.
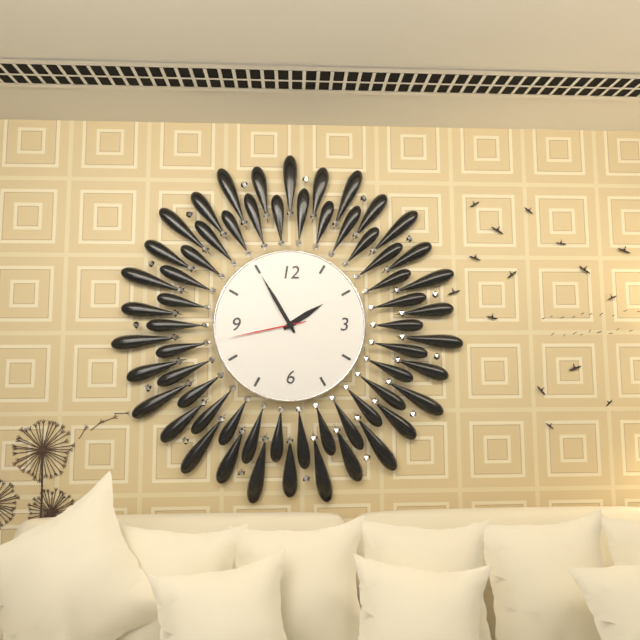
1:55:43
